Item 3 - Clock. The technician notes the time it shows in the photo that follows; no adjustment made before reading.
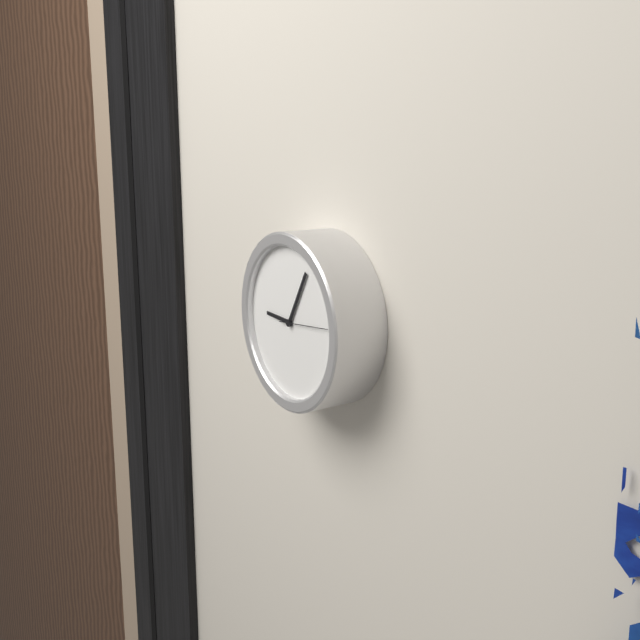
9:05
